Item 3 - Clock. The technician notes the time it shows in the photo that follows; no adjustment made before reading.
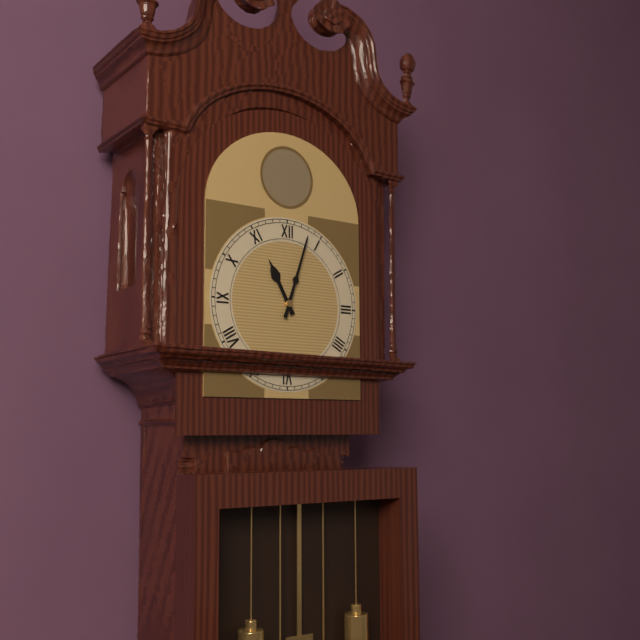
11:03
